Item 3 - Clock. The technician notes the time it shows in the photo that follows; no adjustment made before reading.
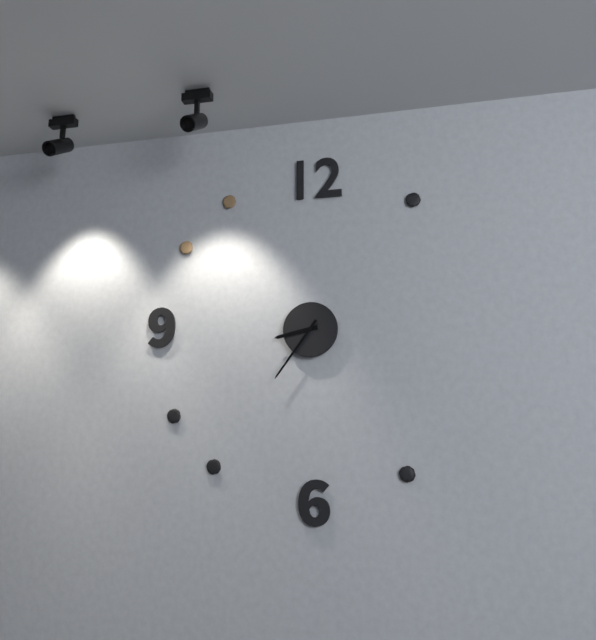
8:36
